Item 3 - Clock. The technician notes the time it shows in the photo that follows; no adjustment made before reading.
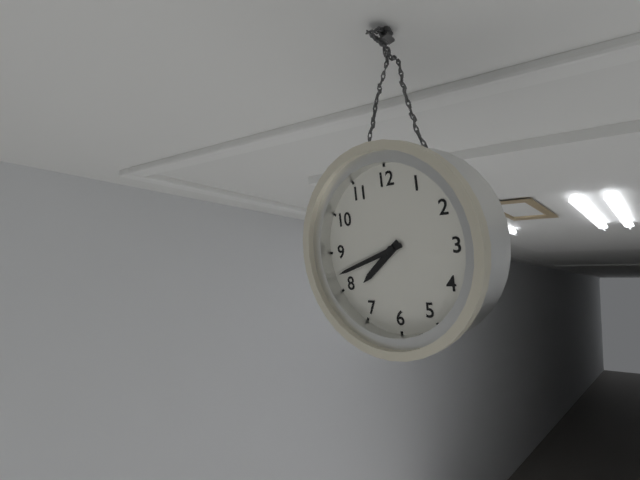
7:42
